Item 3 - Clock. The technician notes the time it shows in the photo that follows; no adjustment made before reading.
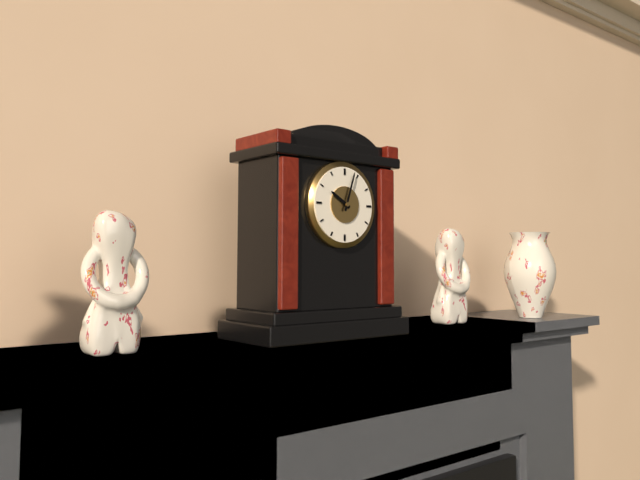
10:03
